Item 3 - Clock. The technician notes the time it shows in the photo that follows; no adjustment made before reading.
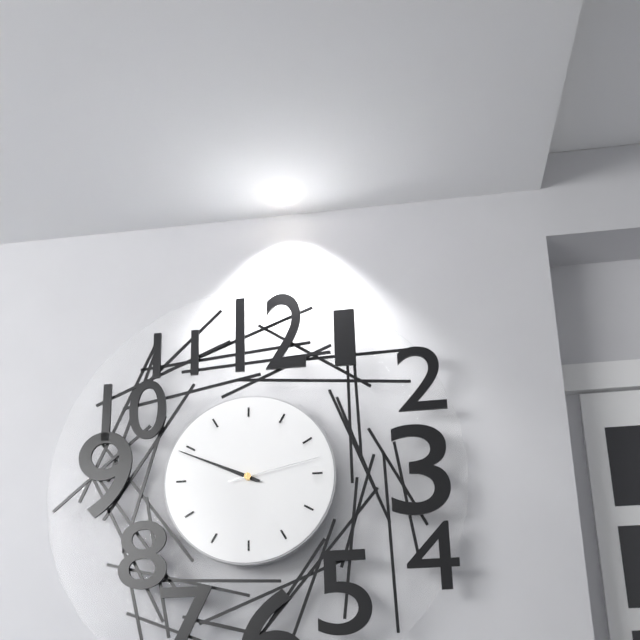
9:49:13
